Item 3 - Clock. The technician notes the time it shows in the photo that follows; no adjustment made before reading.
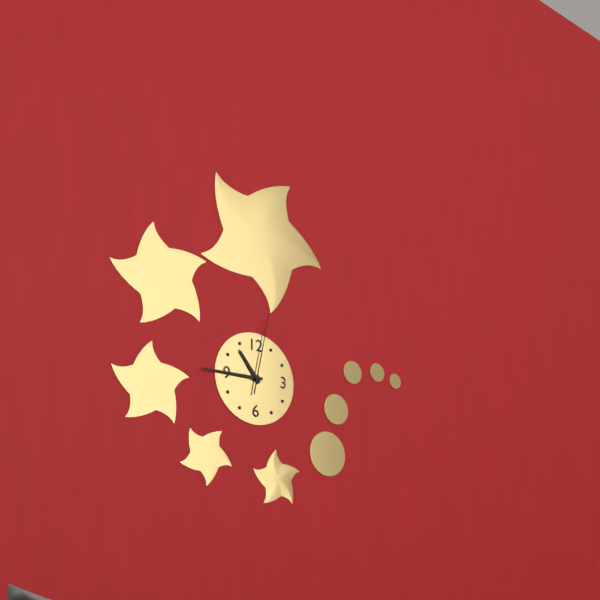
10:45:02
